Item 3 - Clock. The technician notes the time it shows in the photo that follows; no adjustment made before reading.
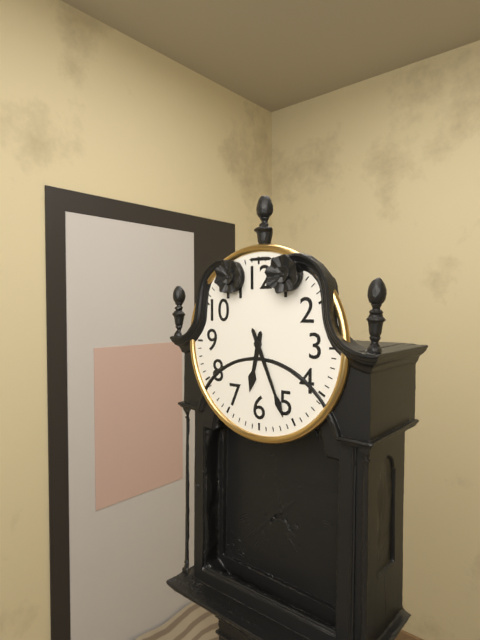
6:26
